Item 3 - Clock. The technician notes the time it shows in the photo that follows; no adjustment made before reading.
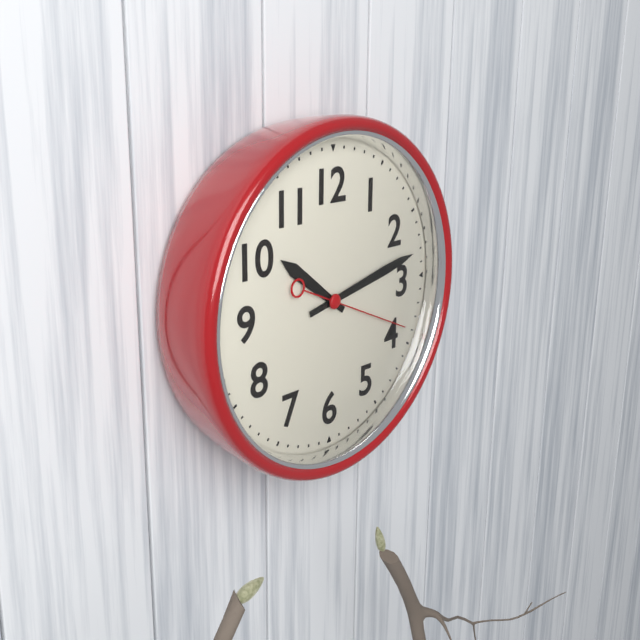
10:13:19
